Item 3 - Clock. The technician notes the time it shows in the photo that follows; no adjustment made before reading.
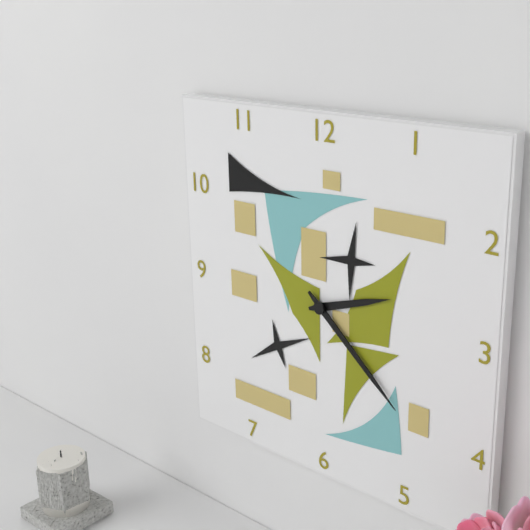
2:22
